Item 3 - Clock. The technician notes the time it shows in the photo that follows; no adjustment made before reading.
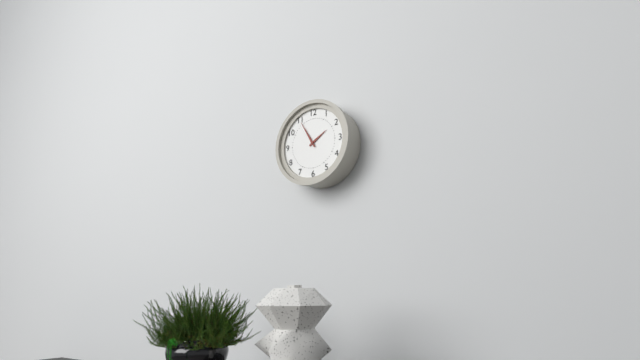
1:55
